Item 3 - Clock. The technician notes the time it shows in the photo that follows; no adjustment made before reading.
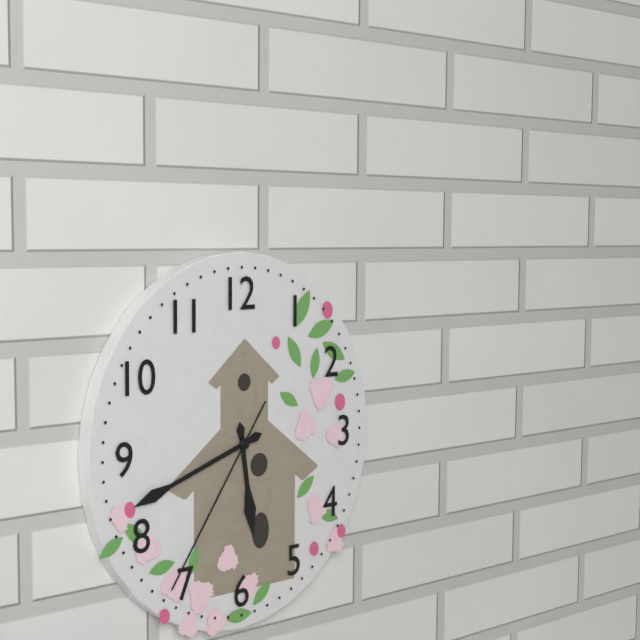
5:42:36
